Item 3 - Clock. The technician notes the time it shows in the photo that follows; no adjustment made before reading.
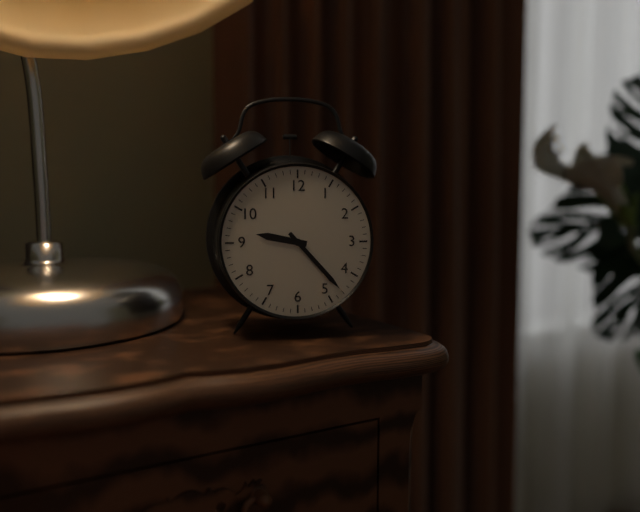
9:23
